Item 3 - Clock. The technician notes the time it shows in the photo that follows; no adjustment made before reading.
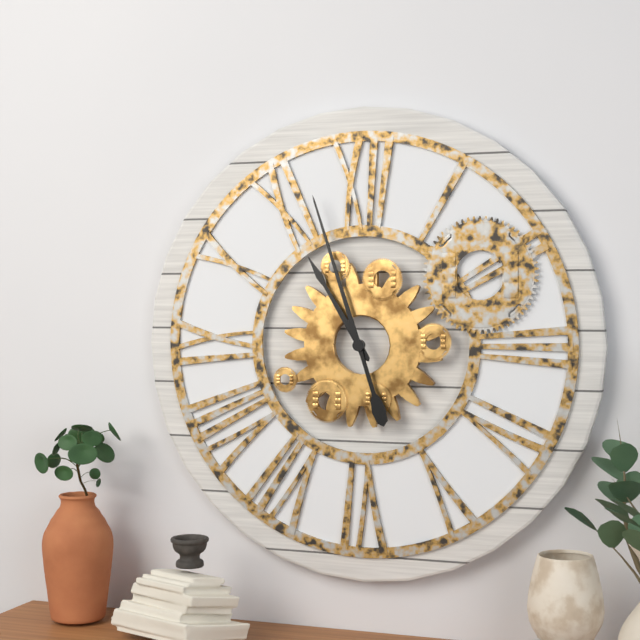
10:57
